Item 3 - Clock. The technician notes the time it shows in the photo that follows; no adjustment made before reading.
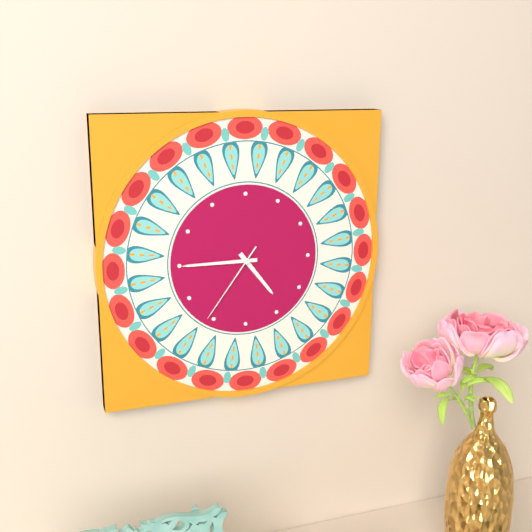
4:45:36
